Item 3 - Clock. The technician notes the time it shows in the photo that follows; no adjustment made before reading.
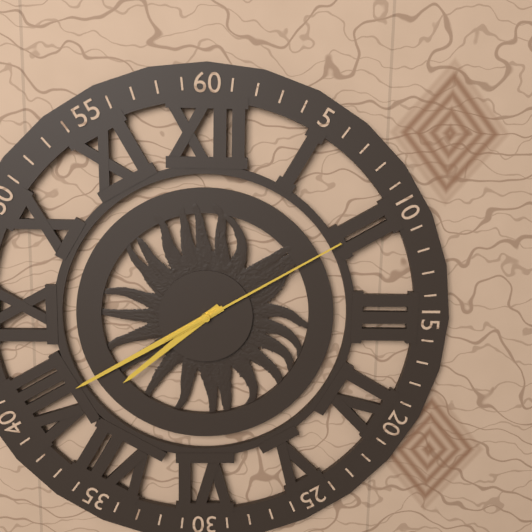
7:40:10
